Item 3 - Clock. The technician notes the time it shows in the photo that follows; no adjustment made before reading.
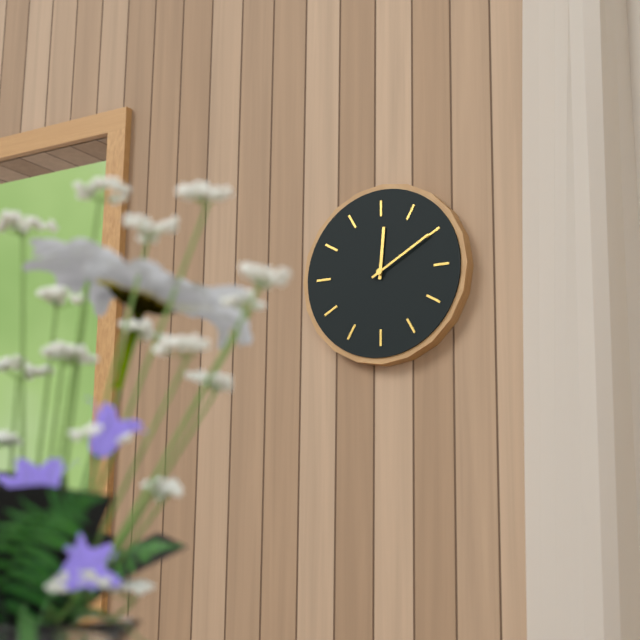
12:10
